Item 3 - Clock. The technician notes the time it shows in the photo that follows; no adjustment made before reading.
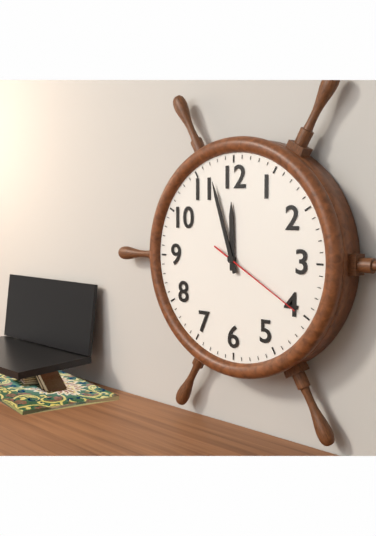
11:57:20
